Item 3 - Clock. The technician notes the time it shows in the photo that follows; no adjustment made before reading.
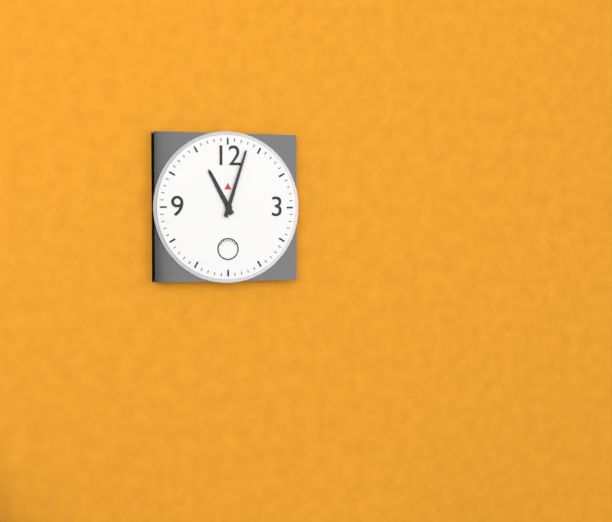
11:03
